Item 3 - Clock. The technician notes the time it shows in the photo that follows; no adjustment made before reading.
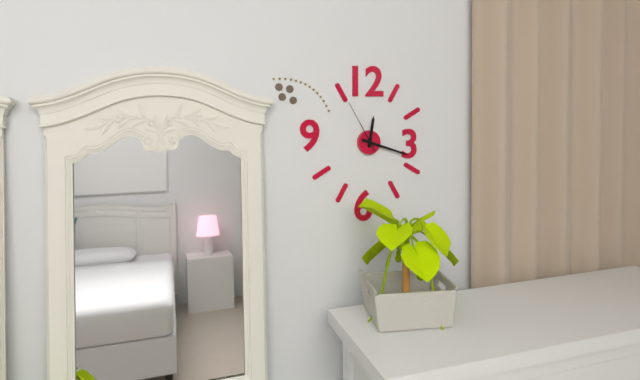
12:18:55
